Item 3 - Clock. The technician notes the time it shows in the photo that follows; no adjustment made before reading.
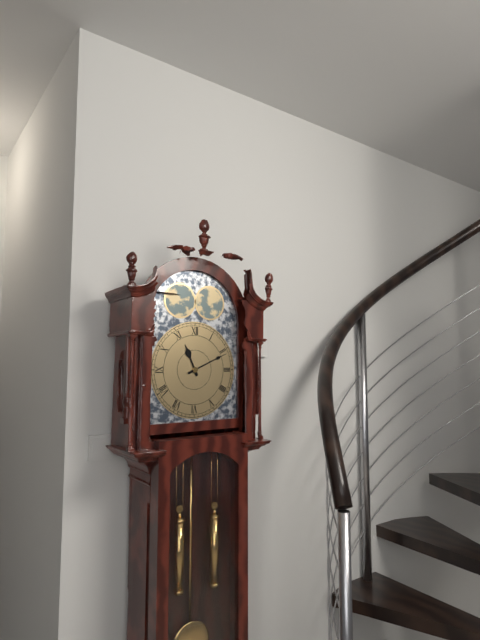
11:11
